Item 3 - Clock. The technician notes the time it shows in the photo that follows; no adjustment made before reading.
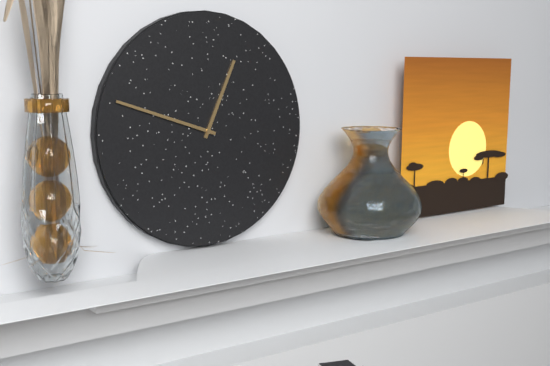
12:48
